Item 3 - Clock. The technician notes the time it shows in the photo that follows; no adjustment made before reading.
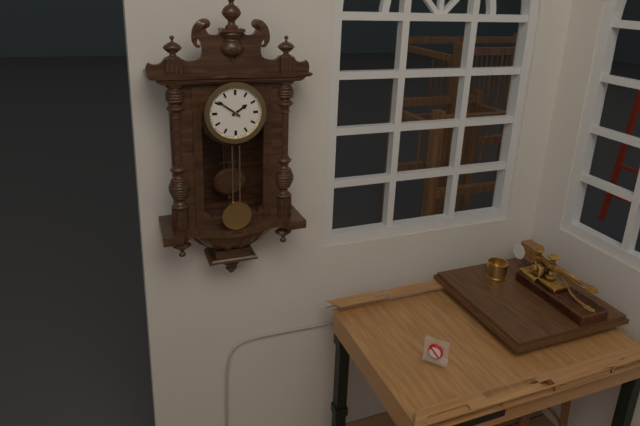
1:51
